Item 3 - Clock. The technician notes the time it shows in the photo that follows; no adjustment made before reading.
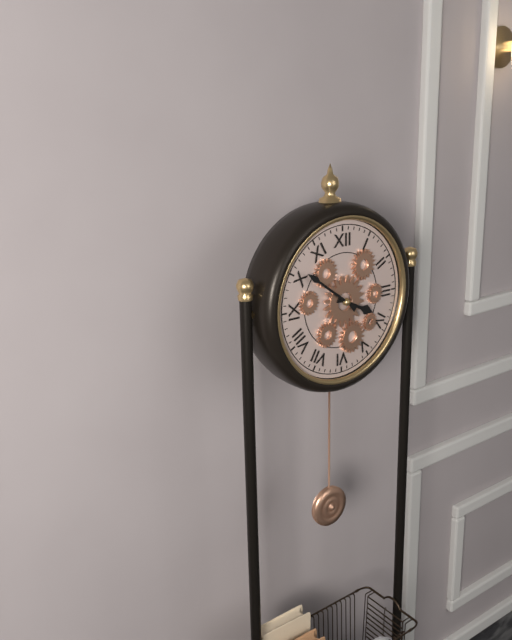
3:51
